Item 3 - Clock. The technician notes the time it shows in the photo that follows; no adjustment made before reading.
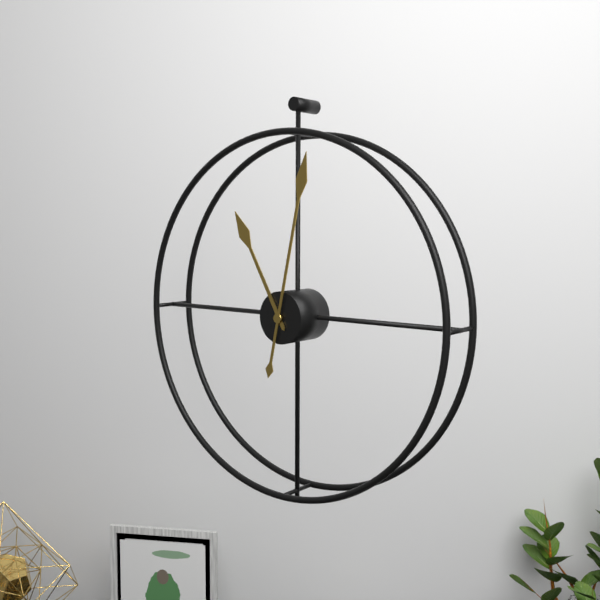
11:02
